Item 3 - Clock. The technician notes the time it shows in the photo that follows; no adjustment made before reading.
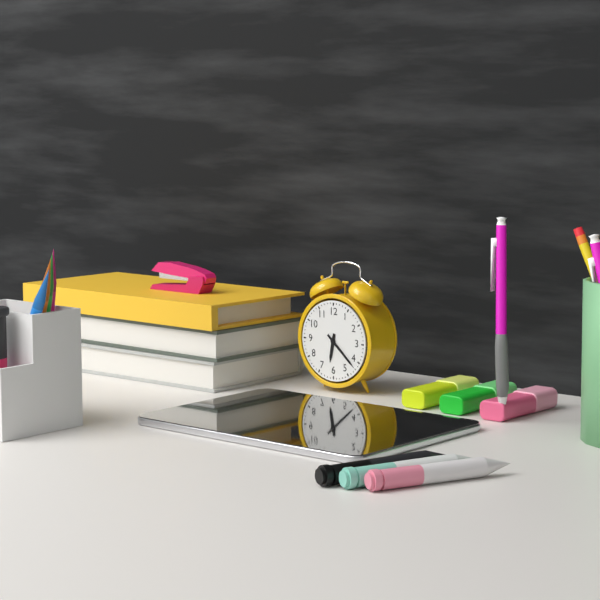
6:22
